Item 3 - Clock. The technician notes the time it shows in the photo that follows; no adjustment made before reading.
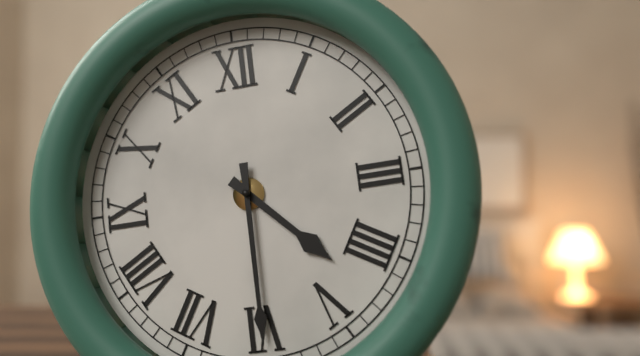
4:30
